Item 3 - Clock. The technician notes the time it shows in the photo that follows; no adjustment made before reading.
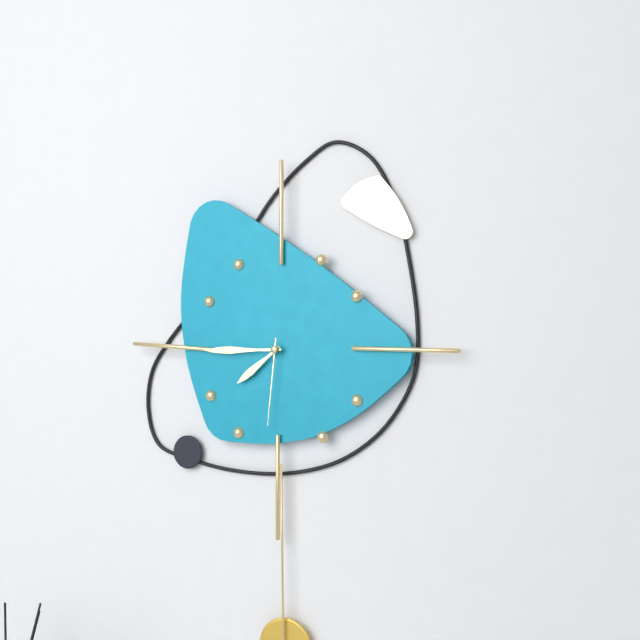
7:45:31
